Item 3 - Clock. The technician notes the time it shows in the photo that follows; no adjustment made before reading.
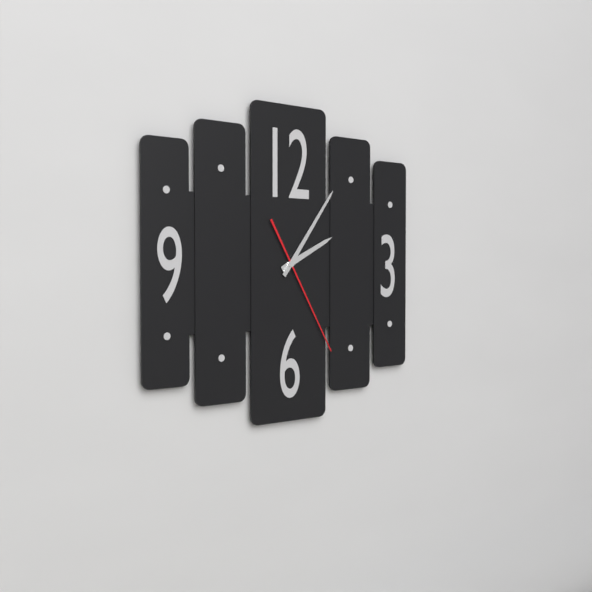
2:06:25
